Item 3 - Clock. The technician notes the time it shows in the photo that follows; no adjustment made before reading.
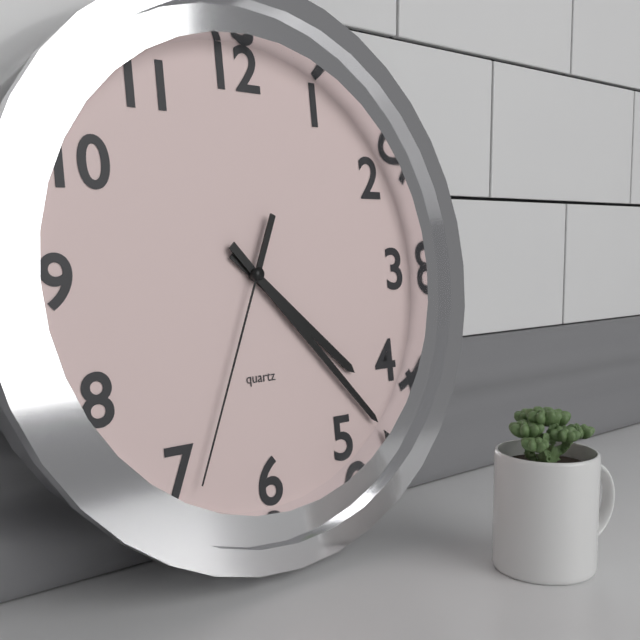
4:23:34
